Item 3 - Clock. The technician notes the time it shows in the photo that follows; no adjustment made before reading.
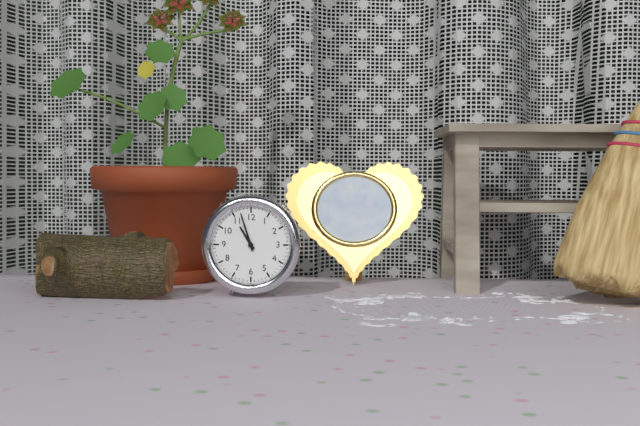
10:57
